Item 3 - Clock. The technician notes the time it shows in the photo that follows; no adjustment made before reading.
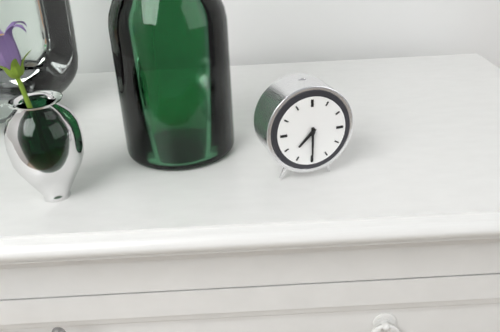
7:30
